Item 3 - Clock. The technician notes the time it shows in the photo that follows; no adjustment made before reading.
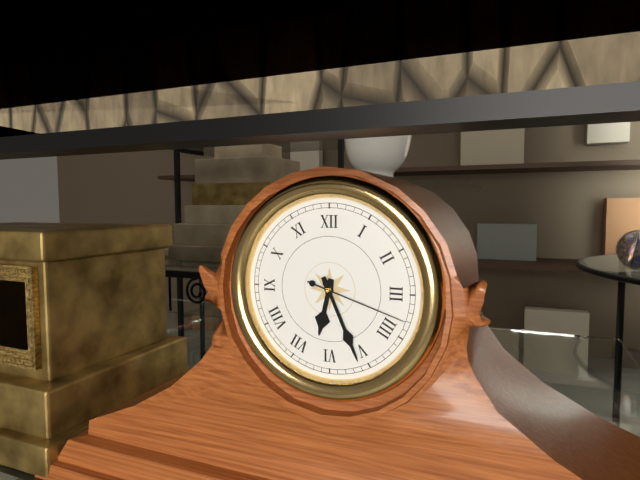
6:26:18
